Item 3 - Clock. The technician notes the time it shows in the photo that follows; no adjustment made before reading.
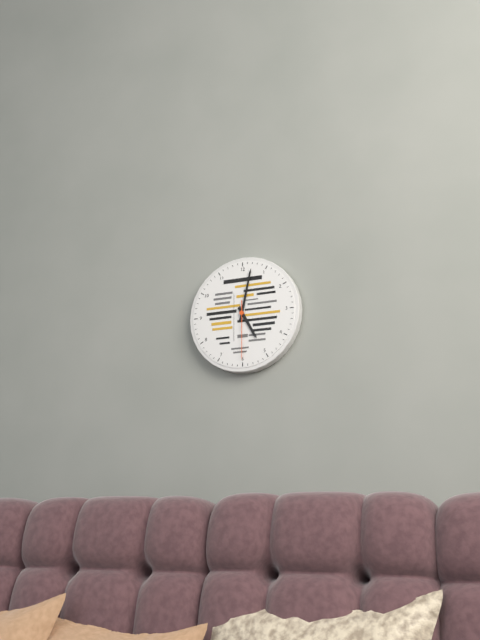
5:02:30
